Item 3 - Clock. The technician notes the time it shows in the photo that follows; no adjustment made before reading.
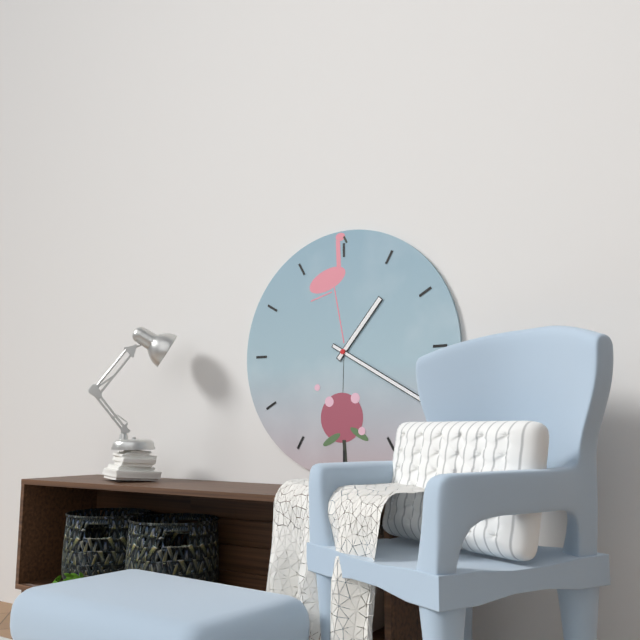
1:20
